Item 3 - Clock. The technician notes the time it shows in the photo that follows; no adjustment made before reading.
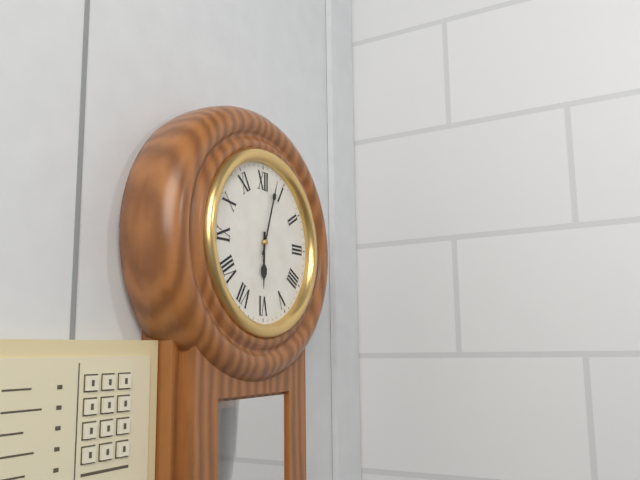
6:03
